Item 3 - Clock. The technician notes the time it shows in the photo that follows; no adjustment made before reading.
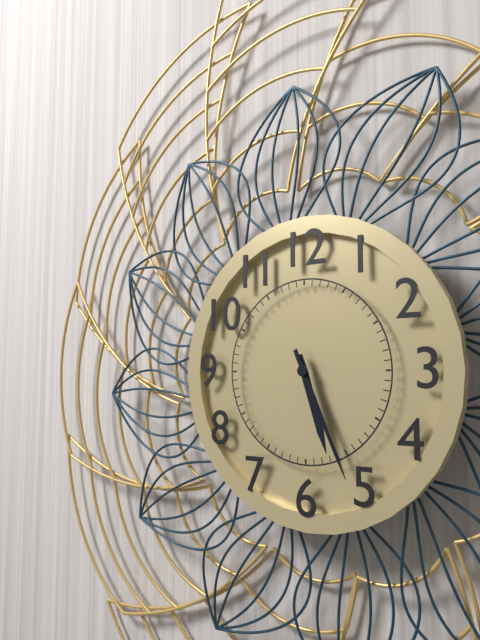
5:26
